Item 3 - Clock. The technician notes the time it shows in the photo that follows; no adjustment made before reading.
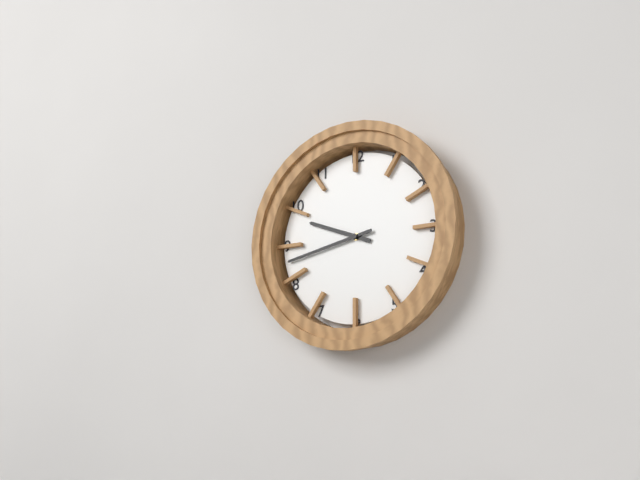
9:43
